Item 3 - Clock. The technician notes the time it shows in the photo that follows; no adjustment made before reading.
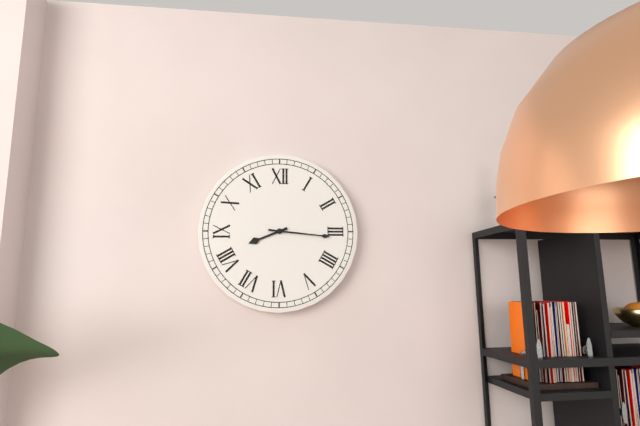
8:16
